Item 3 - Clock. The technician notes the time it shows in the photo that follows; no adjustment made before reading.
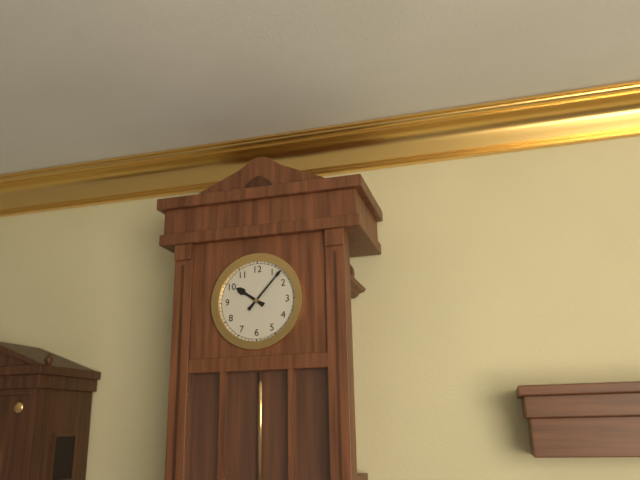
10:07
